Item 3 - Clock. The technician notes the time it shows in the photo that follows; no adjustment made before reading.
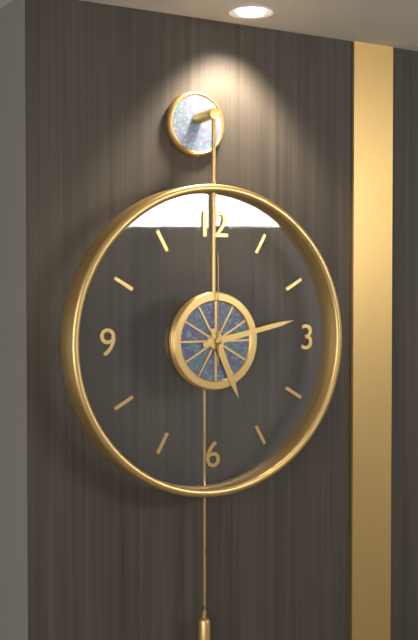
5:13:00
